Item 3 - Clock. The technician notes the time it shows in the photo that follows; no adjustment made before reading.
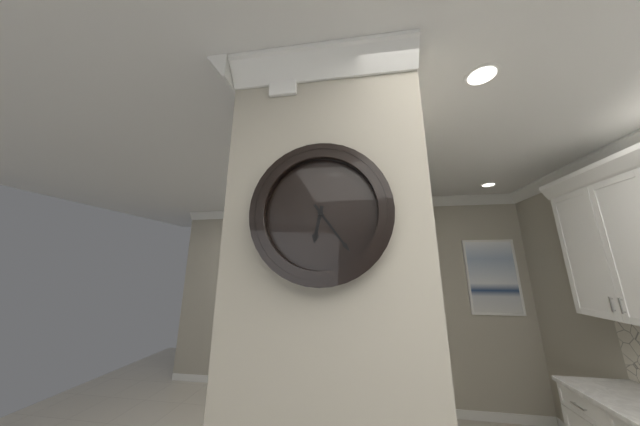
6:24
